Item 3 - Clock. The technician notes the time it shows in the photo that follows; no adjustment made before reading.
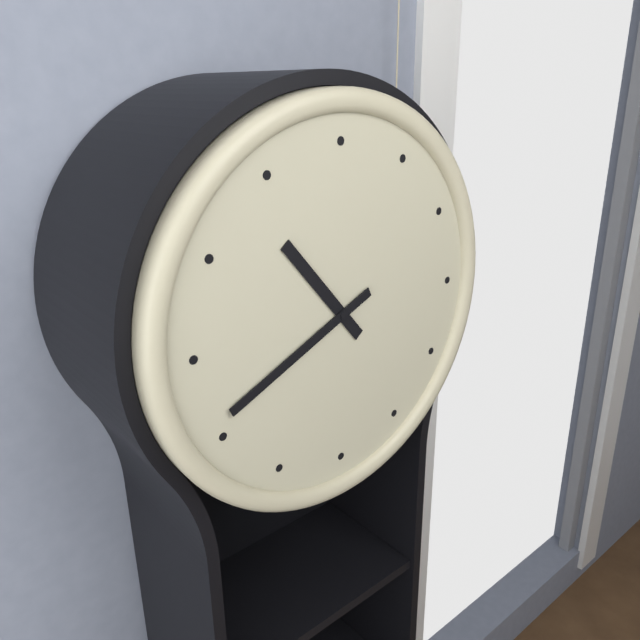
10:41
